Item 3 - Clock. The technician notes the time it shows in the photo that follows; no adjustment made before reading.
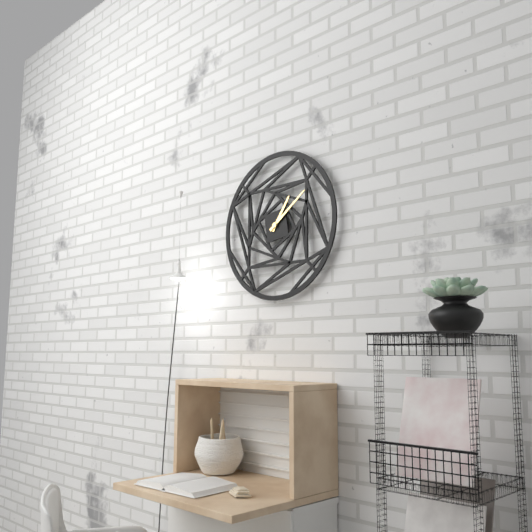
1:09
